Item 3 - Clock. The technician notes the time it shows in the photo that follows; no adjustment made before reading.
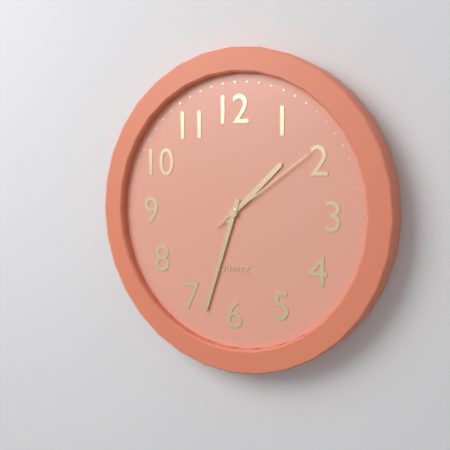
1:33:09
